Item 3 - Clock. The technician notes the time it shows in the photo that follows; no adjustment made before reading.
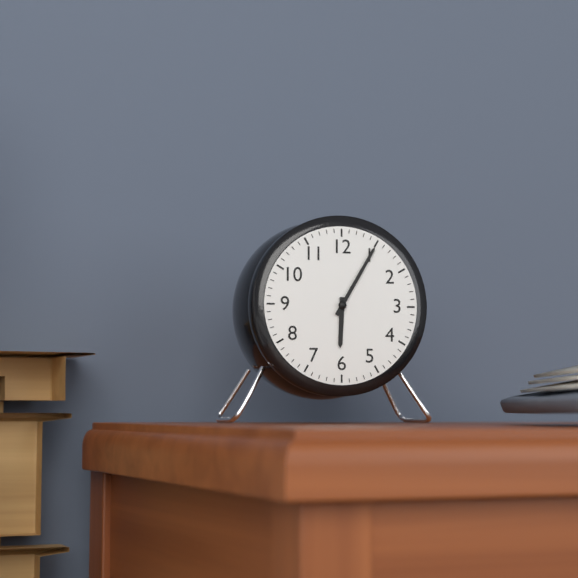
6:05
